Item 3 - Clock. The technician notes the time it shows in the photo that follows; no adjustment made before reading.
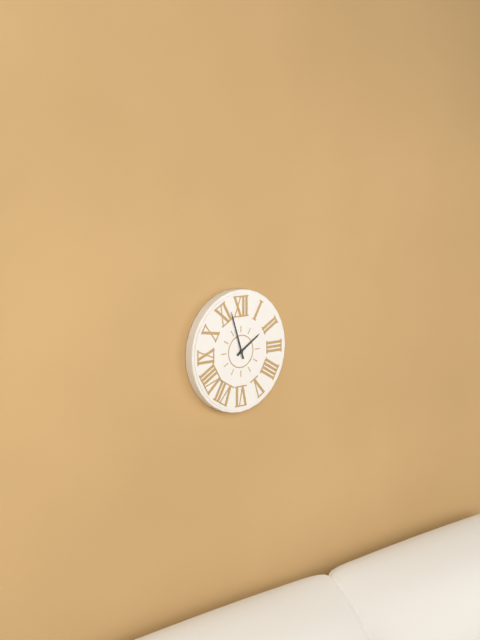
1:57
